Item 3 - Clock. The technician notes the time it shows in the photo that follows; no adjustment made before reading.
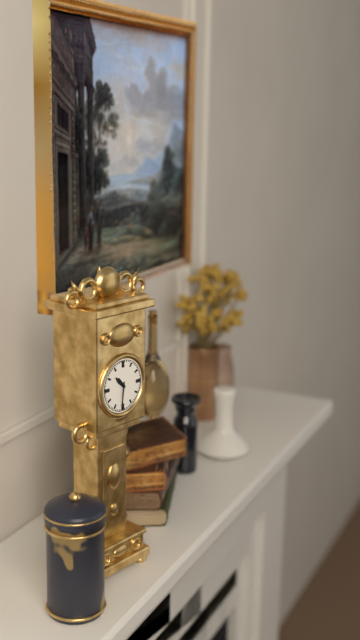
10:31
